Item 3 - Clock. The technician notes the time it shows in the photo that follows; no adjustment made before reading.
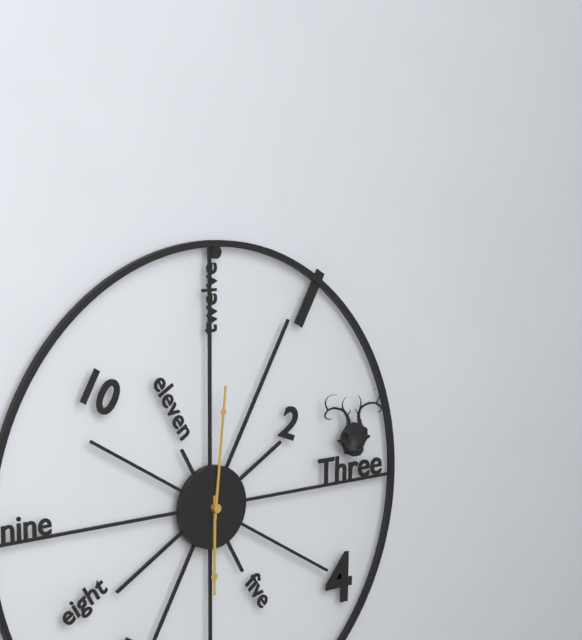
6:01
